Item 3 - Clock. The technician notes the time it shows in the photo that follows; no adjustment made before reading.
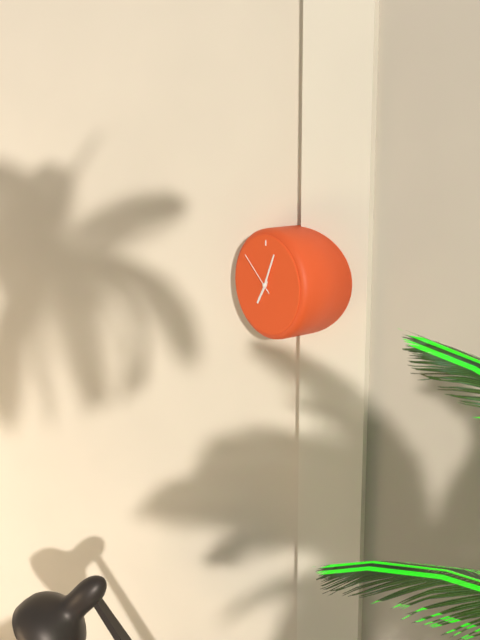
7:04
